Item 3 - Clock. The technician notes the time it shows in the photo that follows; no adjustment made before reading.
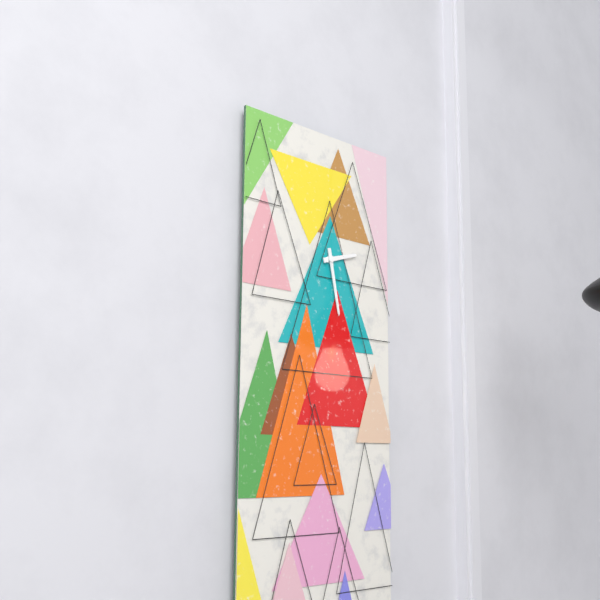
2:28
